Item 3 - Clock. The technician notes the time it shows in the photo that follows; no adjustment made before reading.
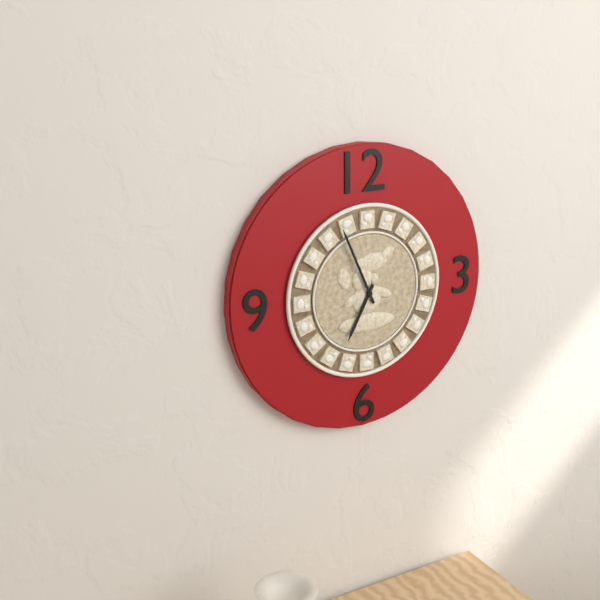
6:56
